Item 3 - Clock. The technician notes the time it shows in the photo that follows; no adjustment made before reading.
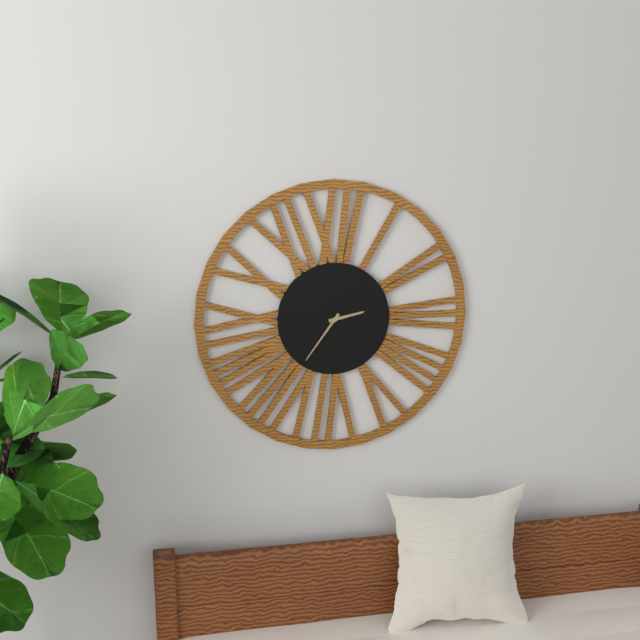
2:36
